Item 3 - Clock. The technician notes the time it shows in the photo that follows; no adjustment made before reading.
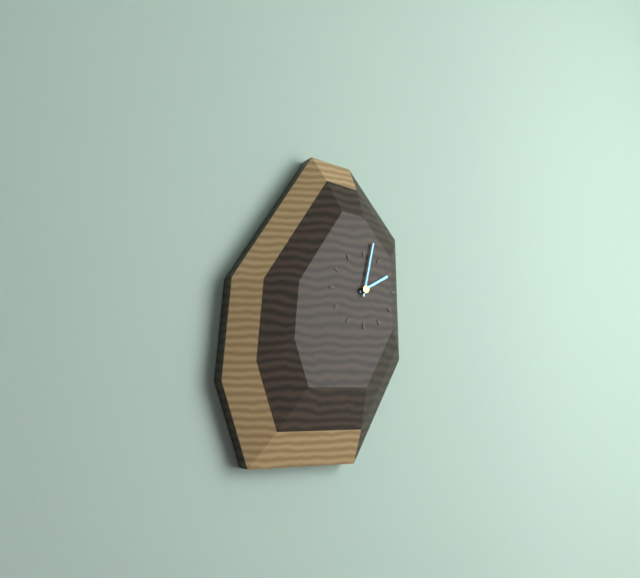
2:02
